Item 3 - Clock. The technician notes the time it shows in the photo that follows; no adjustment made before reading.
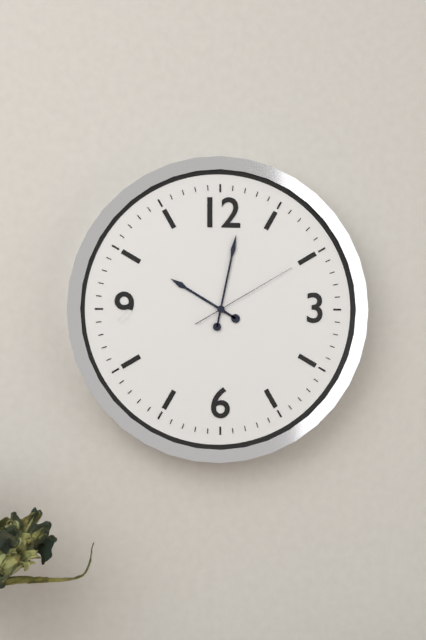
10:02:10
